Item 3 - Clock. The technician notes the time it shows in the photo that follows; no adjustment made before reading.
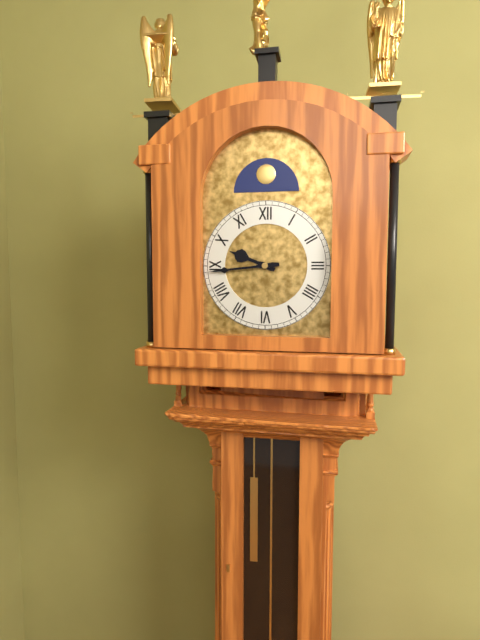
9:44
